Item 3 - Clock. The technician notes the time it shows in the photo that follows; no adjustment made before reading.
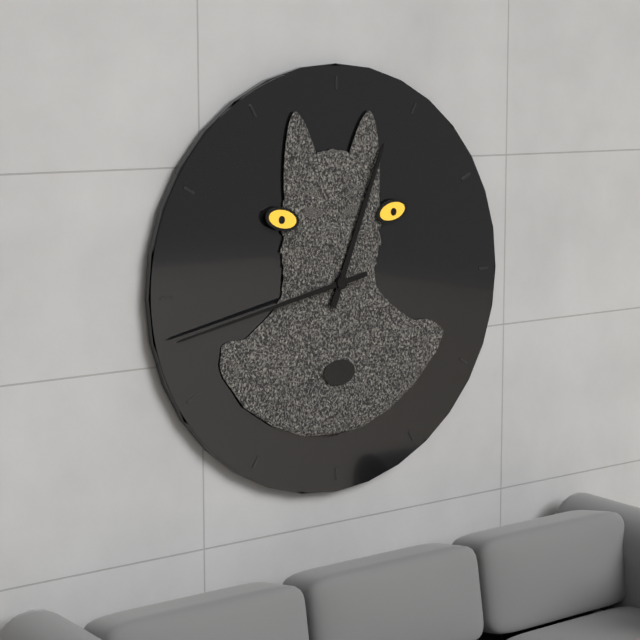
12:43
